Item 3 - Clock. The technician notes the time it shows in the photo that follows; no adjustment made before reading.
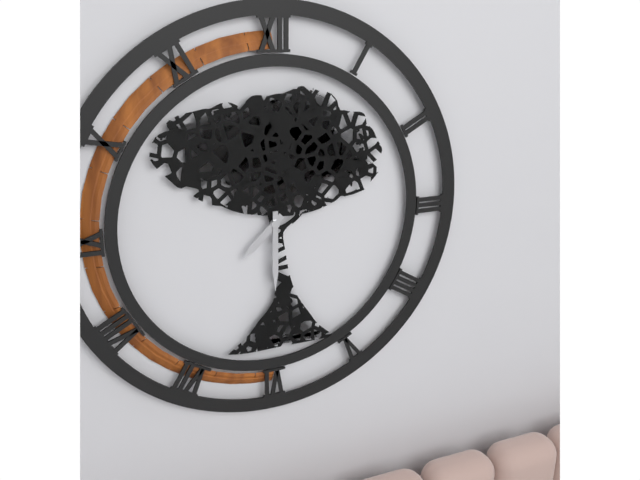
7:30
